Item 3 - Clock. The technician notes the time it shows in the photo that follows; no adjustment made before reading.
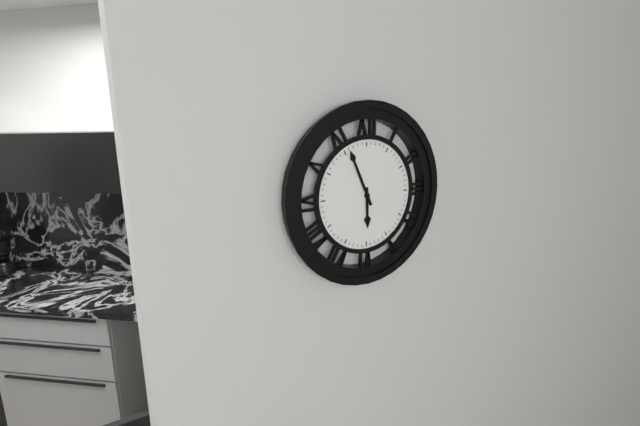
5:56
